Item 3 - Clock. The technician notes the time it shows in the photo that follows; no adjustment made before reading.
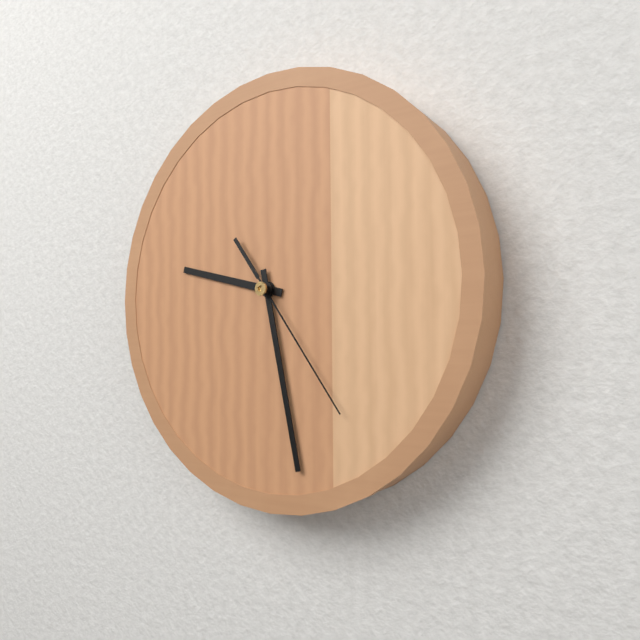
9:28:24
